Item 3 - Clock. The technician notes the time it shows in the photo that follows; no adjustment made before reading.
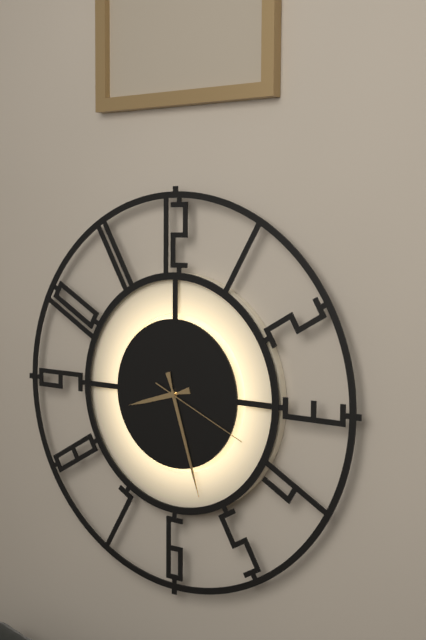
8:27:19
